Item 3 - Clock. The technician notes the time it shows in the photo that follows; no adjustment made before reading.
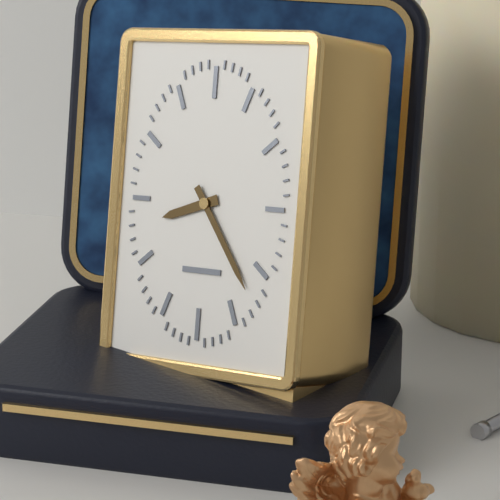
8:24
